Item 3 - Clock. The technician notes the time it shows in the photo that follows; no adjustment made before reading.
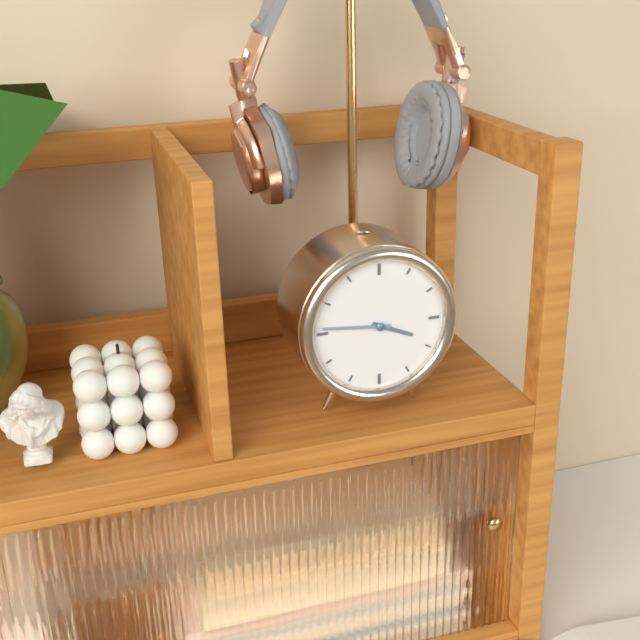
3:46
